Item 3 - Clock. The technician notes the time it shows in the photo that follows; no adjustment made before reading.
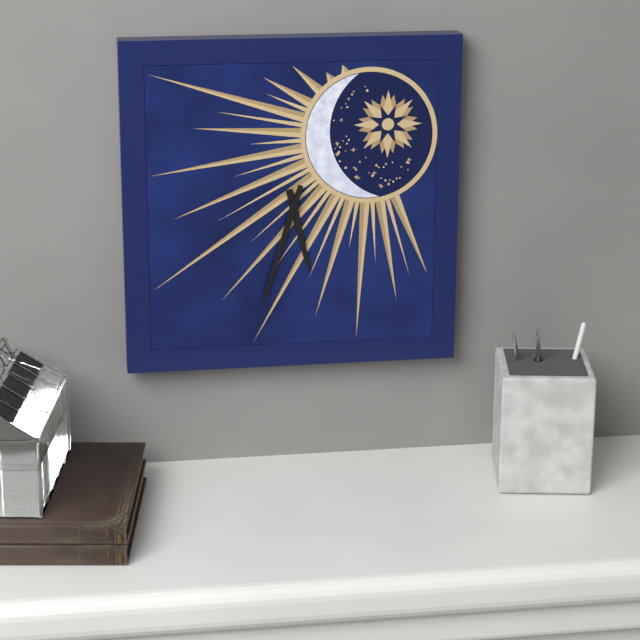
5:33
